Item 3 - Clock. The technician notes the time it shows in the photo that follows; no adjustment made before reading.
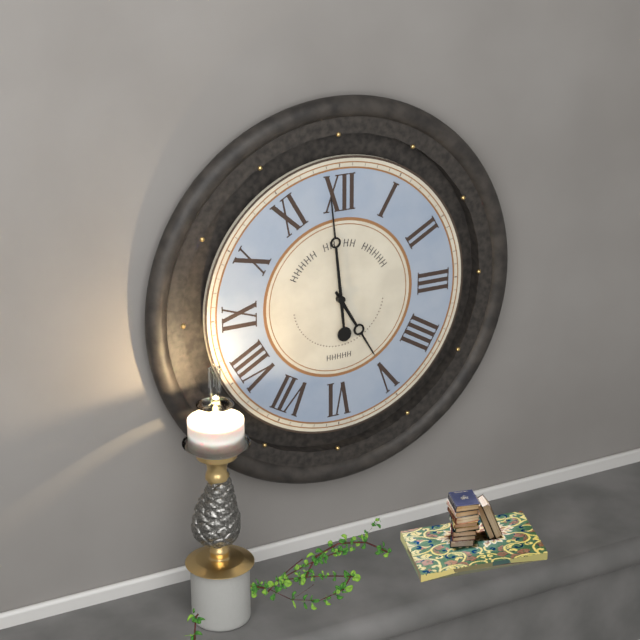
4:59
